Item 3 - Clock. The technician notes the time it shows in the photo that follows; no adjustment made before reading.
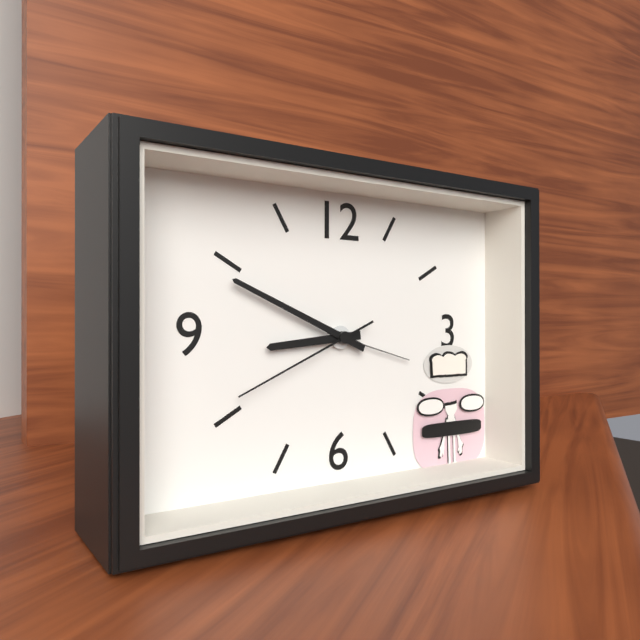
8:49:41
